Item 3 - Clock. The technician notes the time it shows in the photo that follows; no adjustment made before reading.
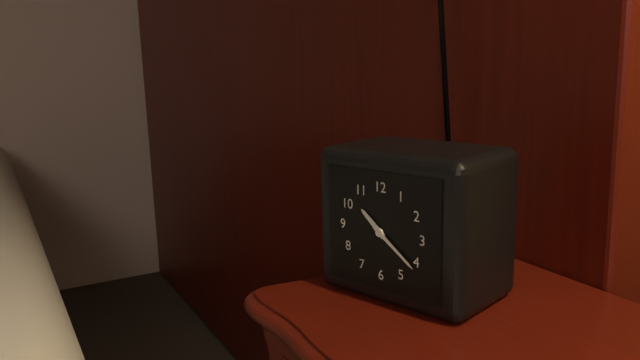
10:21
